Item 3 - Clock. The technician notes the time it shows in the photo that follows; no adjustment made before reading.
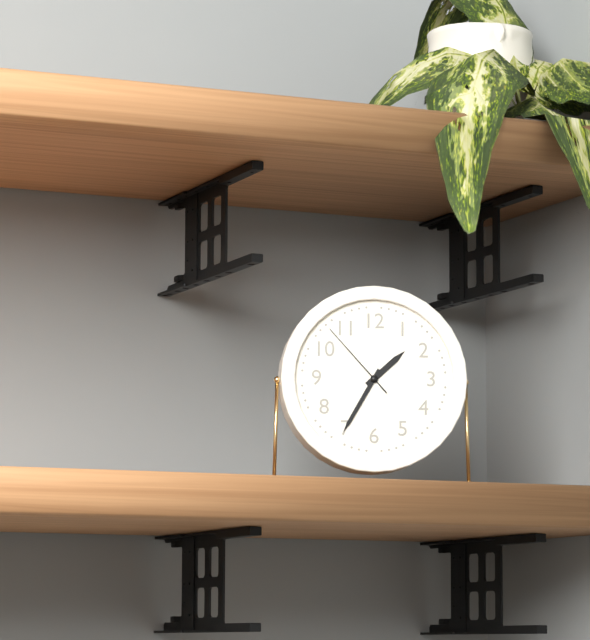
1:35:53
